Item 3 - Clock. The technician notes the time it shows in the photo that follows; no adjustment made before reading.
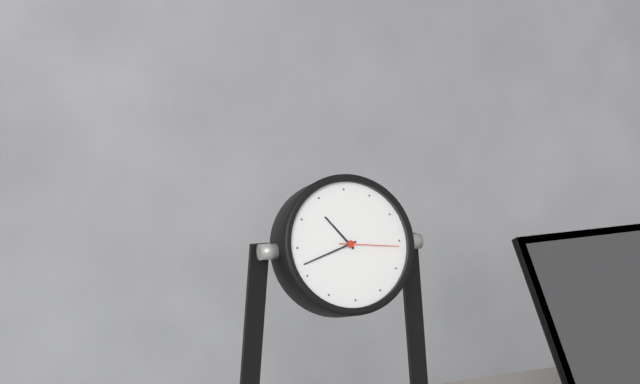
10:42:16
